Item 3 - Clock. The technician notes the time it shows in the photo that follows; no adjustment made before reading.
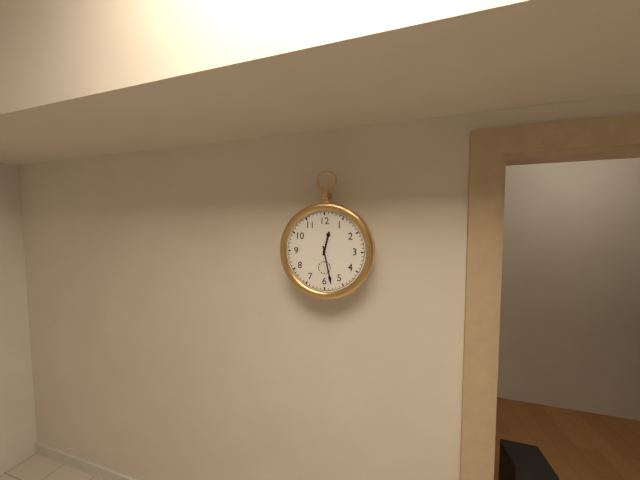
12:28
